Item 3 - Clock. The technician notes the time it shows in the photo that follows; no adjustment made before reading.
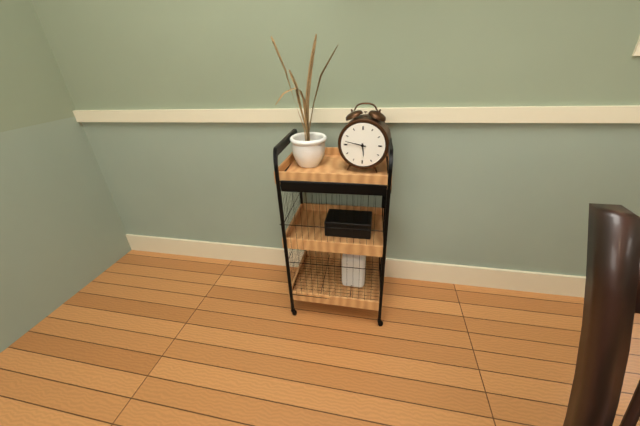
5:47
